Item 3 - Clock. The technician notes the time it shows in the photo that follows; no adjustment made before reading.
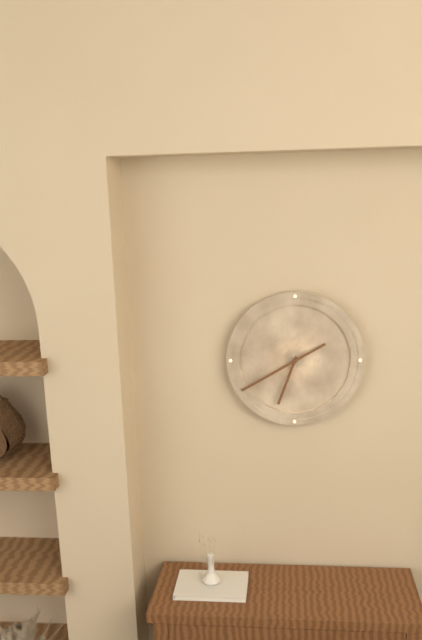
6:40
